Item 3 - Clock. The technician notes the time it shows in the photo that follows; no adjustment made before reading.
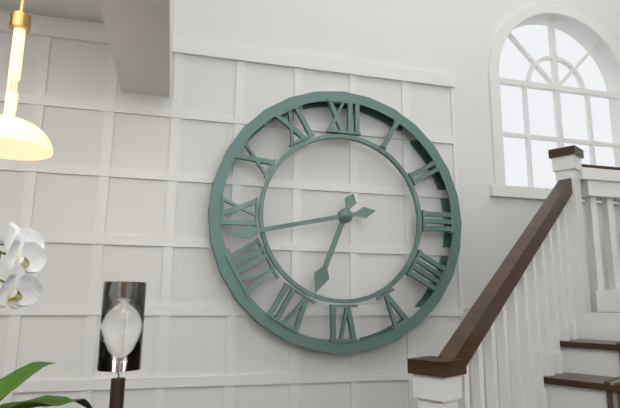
6:43
